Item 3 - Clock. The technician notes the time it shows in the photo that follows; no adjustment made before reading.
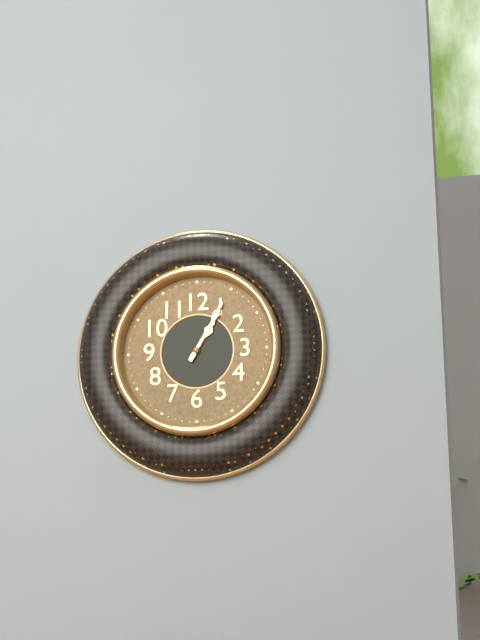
1:05
